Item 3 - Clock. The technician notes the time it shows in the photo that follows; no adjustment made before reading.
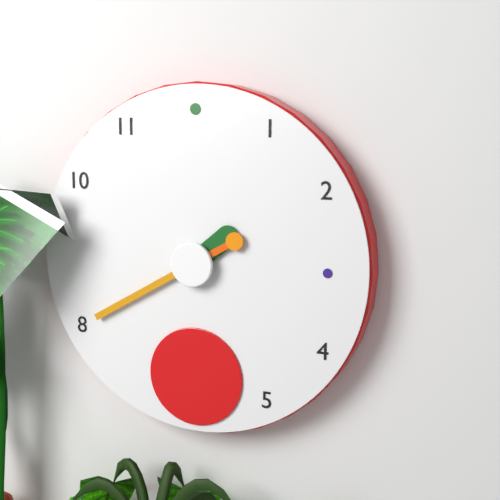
1:40
